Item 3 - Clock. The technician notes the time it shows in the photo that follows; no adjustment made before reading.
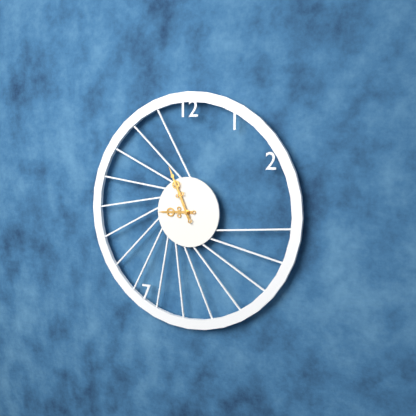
8:56
